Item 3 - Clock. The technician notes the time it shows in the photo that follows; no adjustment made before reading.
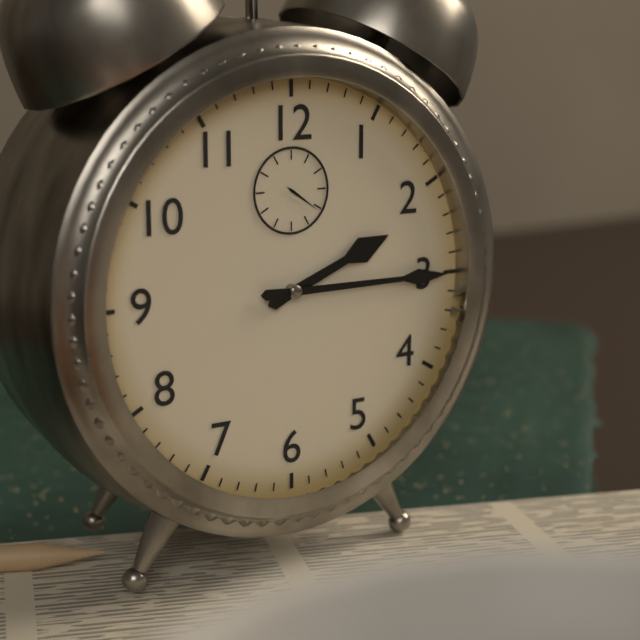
2:15
